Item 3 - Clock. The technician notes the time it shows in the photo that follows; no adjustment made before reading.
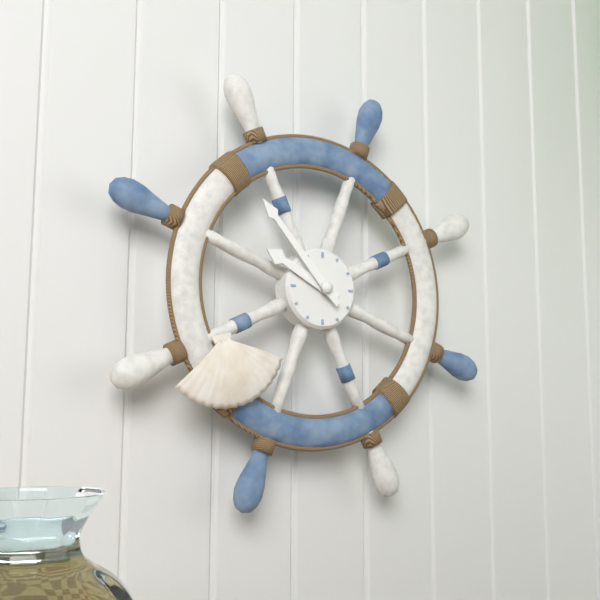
9:53
